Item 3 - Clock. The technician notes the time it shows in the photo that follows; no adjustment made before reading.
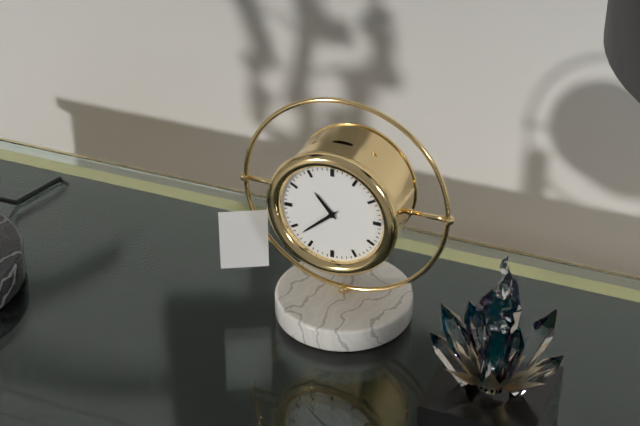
10:38
